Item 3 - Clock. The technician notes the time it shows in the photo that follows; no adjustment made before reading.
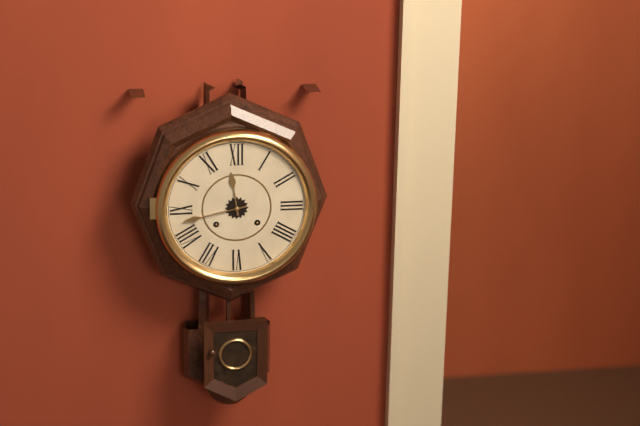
11:43
